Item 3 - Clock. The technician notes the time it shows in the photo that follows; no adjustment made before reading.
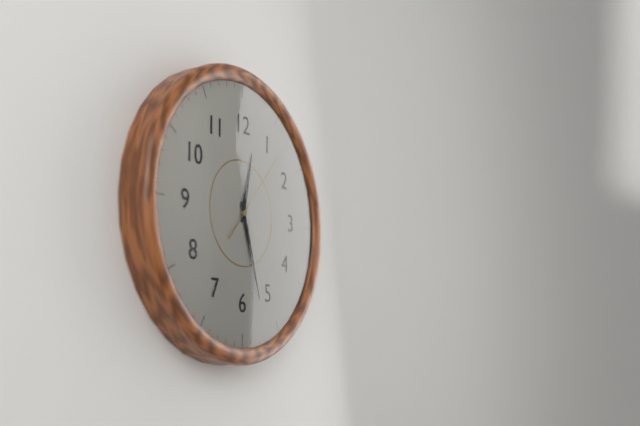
12:27:07
